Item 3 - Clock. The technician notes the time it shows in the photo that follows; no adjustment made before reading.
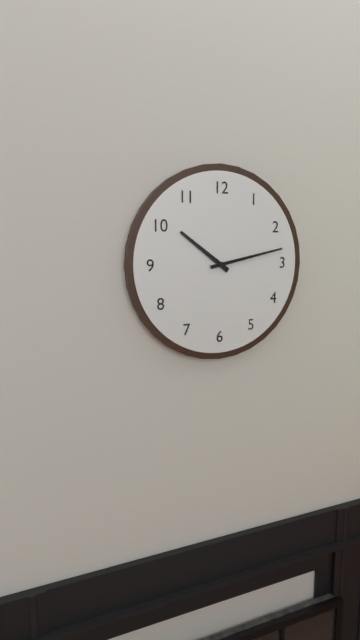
10:13
